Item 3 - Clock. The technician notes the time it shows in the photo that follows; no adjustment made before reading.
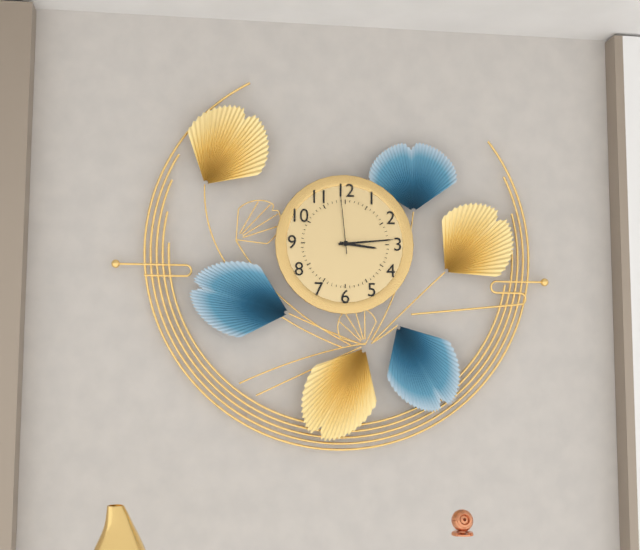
3:14:59
